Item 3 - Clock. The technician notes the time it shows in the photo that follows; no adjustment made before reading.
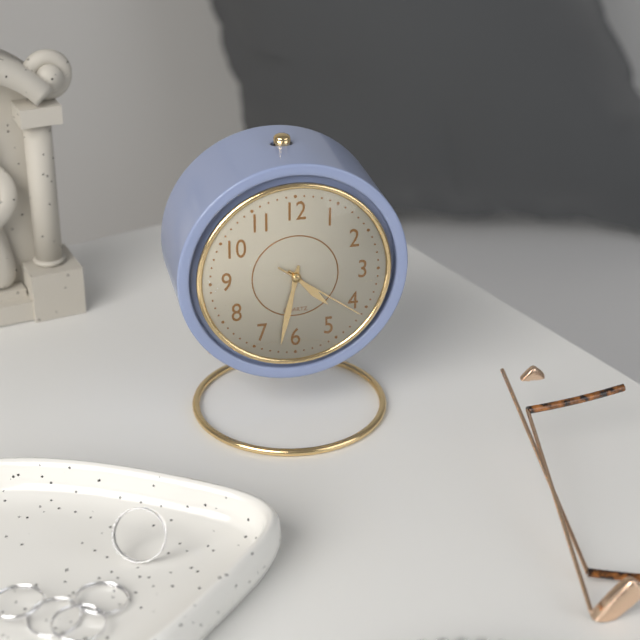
4:32:21
